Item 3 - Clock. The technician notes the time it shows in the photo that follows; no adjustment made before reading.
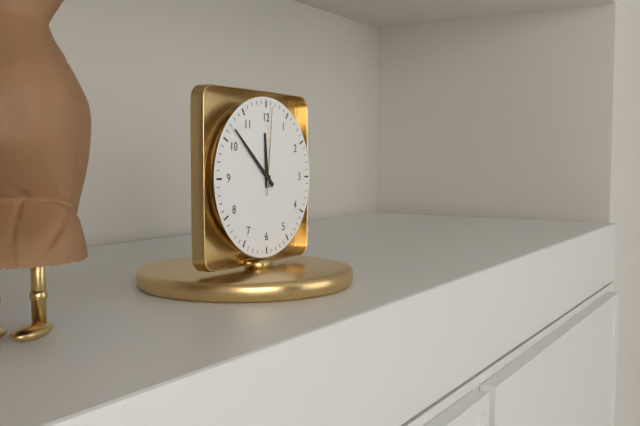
11:52:01
